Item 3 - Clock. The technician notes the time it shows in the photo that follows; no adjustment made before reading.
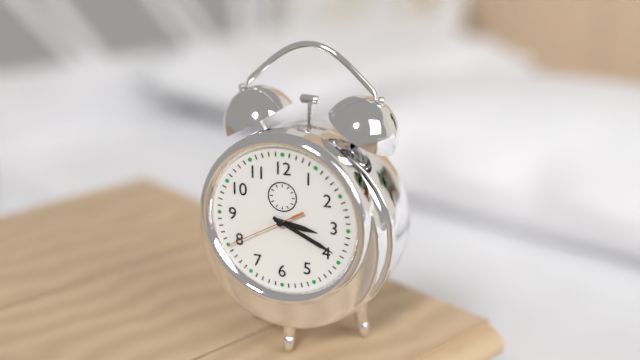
3:19:40
